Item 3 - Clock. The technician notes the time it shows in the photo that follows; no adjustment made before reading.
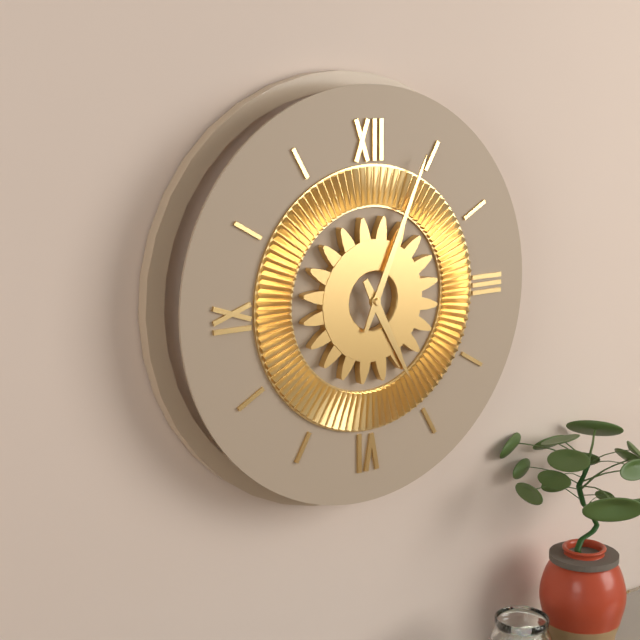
5:04
